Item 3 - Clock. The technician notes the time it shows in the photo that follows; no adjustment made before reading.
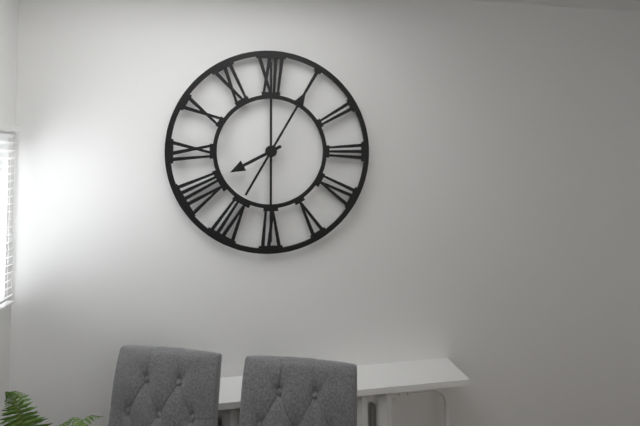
8:05
